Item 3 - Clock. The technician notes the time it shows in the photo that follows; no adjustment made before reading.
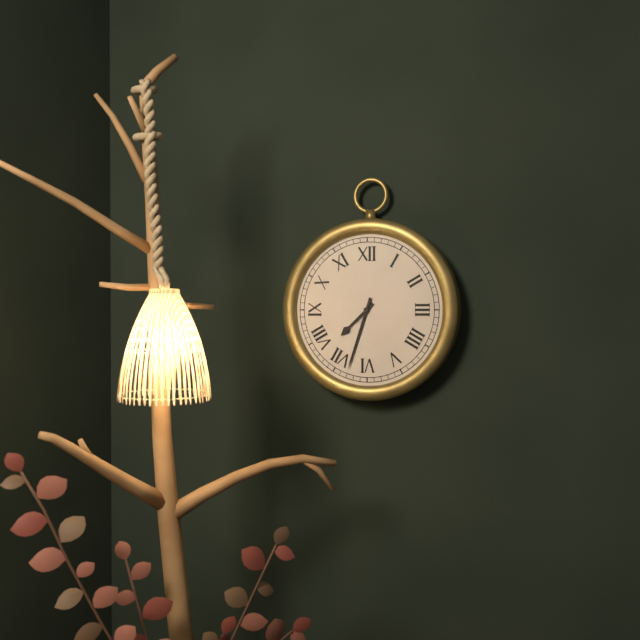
7:33
